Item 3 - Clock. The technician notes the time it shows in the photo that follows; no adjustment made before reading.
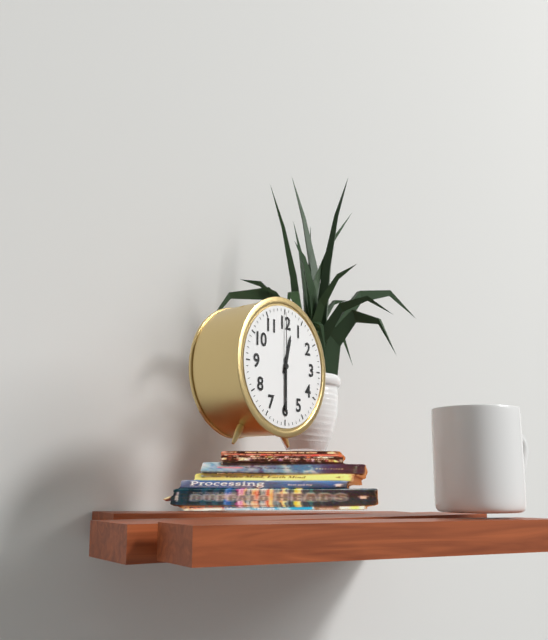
12:30:00
